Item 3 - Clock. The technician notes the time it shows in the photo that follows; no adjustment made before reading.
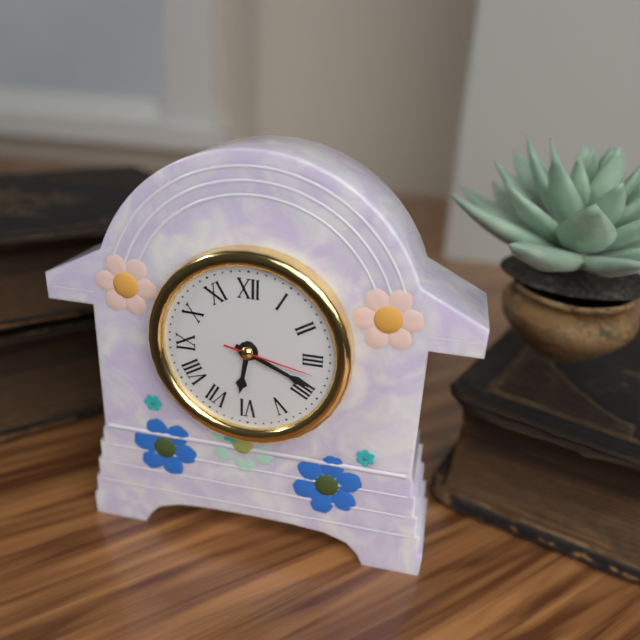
6:19:17
